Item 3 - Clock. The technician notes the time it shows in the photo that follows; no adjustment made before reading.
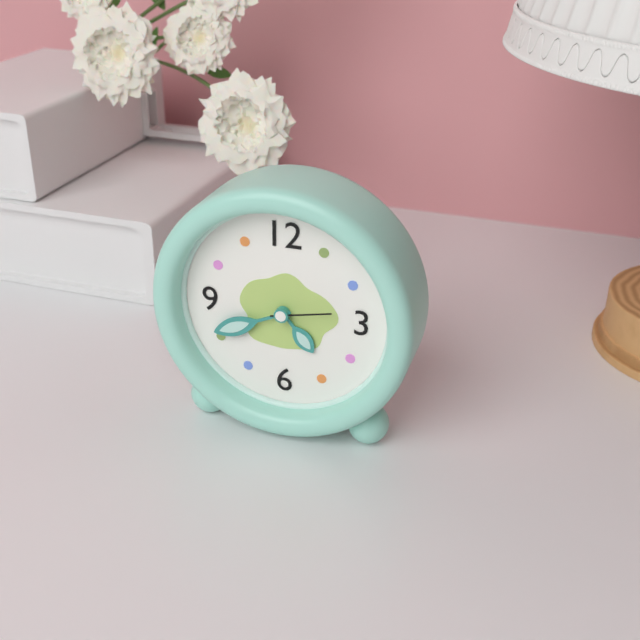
4:41:13
